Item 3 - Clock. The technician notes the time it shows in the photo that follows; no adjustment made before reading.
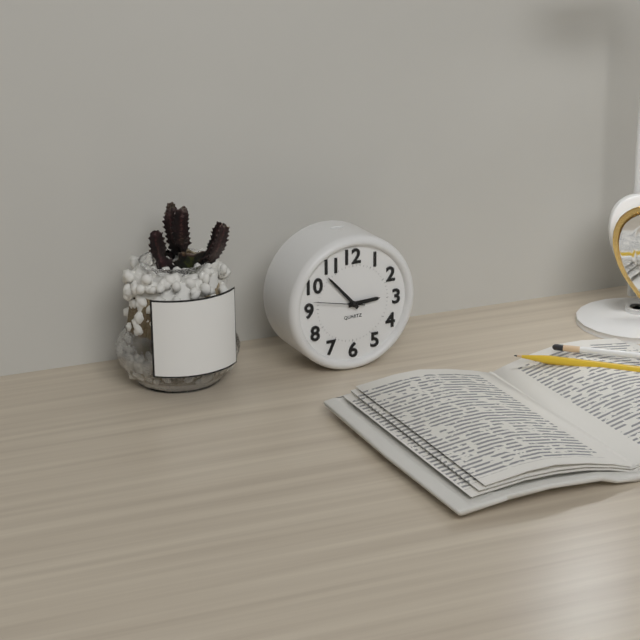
2:53:47
